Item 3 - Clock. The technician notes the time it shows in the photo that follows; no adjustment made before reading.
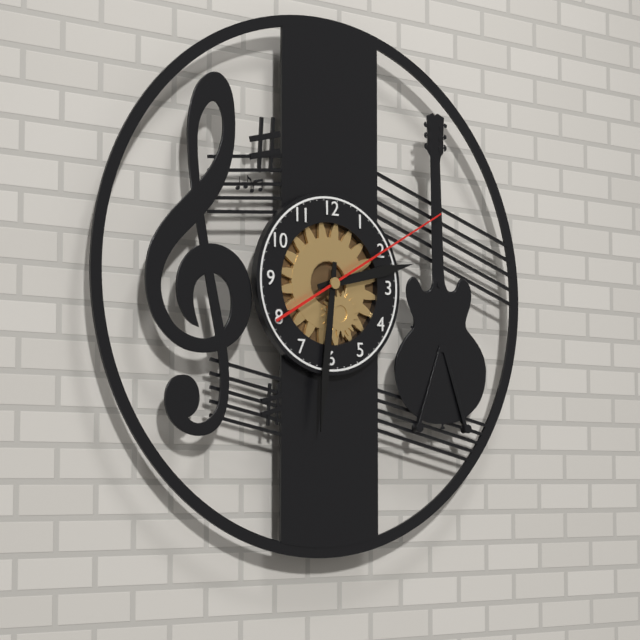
2:31:10
